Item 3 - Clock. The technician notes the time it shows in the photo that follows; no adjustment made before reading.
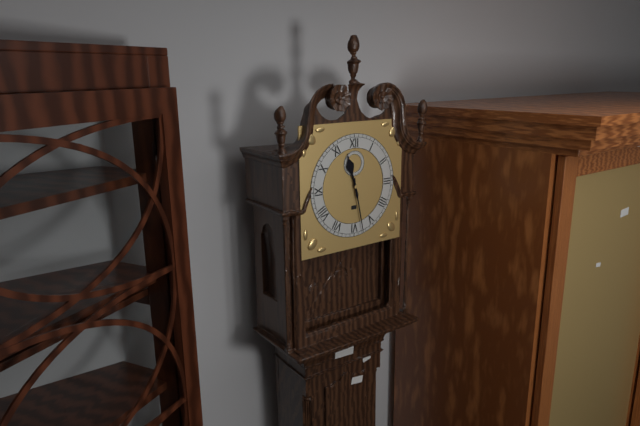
11:28
